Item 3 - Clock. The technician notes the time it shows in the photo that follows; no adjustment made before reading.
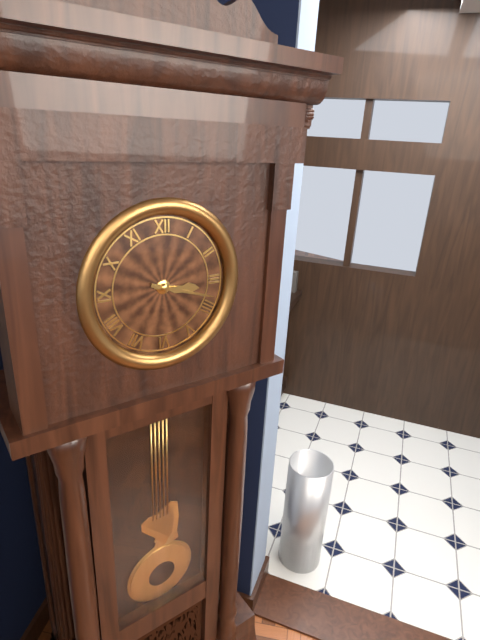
3:18
